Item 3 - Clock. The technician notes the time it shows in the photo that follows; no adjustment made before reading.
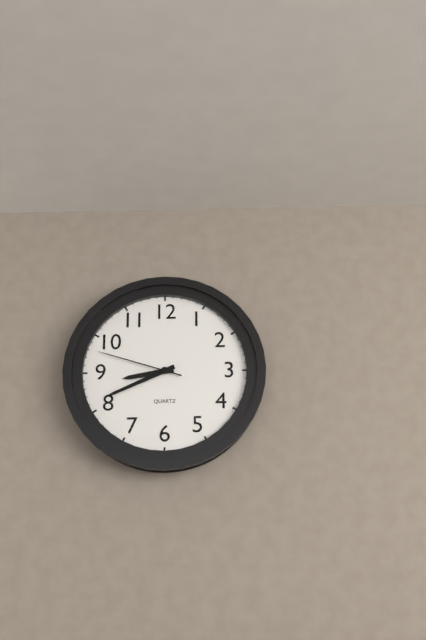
8:41:48
